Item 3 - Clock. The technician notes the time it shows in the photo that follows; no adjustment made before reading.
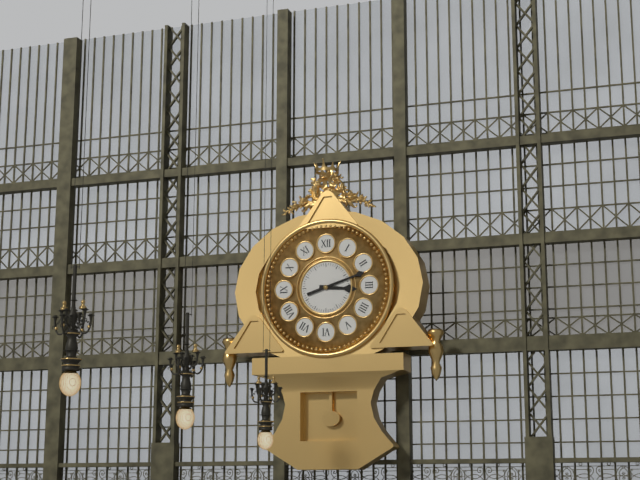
3:12
